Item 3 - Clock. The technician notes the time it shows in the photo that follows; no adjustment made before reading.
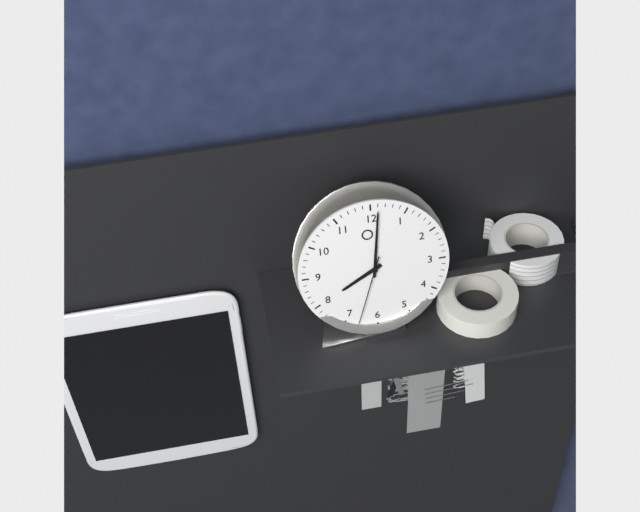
8:01:33
